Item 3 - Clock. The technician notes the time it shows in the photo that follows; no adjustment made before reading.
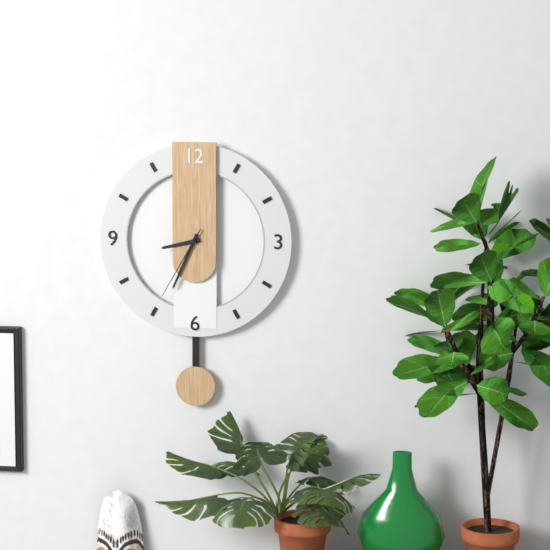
8:34:35
